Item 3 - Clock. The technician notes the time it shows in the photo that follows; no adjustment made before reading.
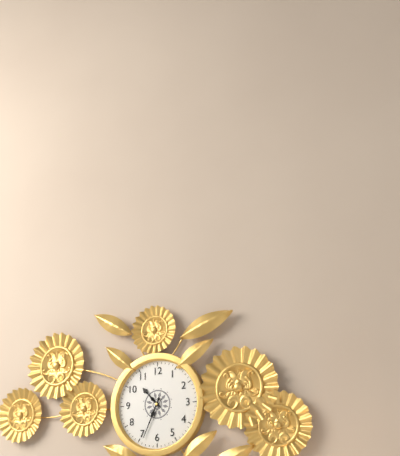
10:34
